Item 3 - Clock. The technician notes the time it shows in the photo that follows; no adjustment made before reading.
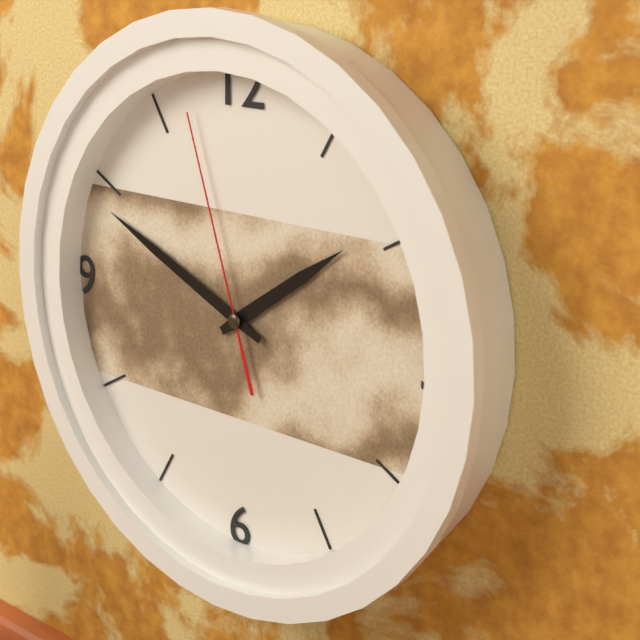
1:49:57
